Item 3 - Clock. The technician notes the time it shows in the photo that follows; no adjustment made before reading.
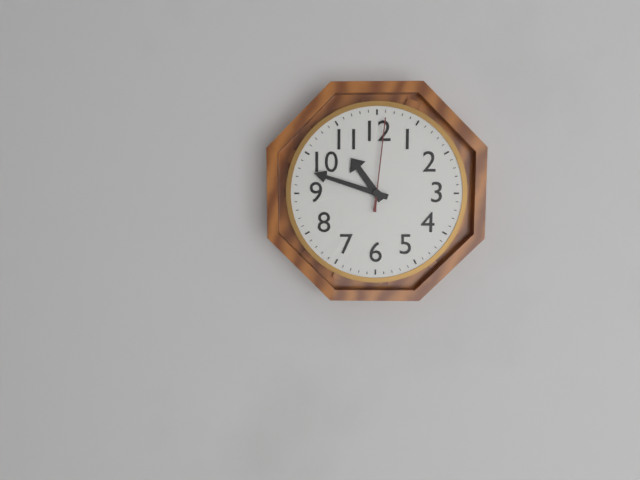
10:48:01
